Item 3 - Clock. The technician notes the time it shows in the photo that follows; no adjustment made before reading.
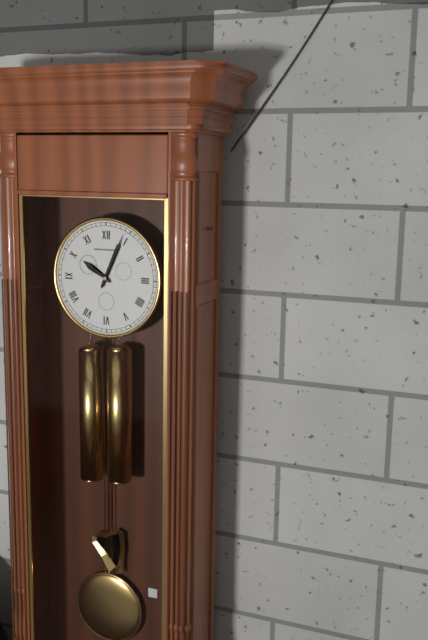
10:04
